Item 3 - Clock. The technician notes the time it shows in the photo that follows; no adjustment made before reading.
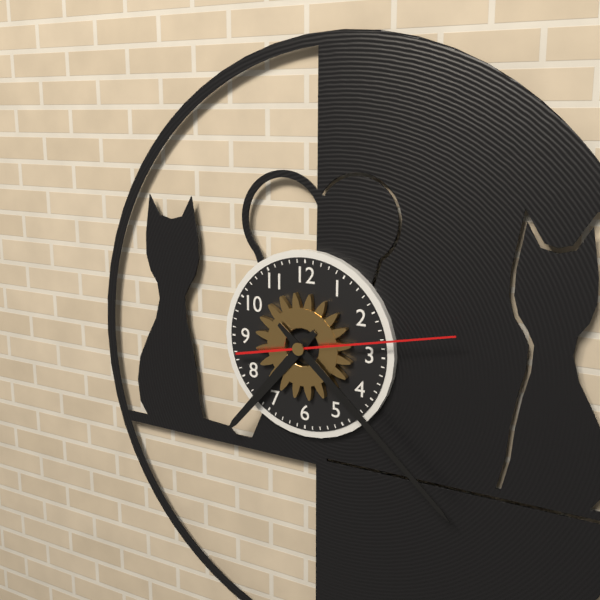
7:22:13
